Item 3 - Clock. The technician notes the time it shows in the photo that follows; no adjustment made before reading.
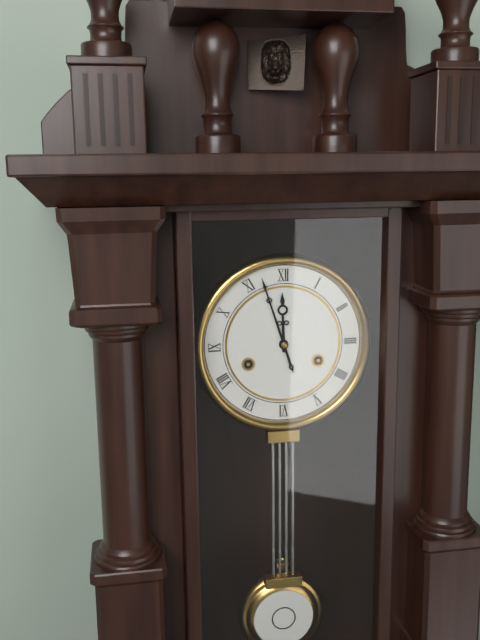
11:57
